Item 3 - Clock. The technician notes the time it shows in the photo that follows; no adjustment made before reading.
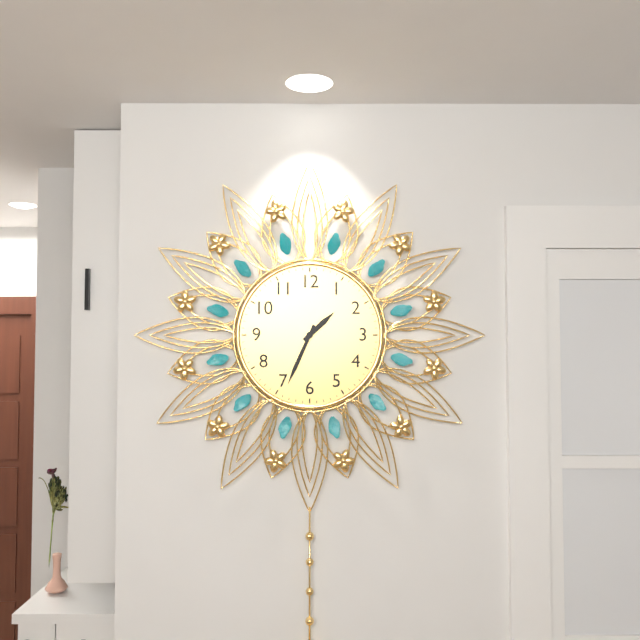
1:34
